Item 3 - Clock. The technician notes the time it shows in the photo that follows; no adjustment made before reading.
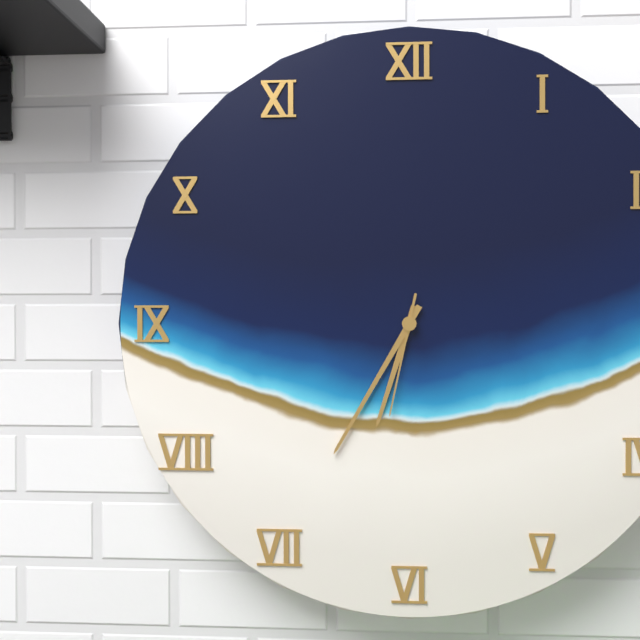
6:35:32
